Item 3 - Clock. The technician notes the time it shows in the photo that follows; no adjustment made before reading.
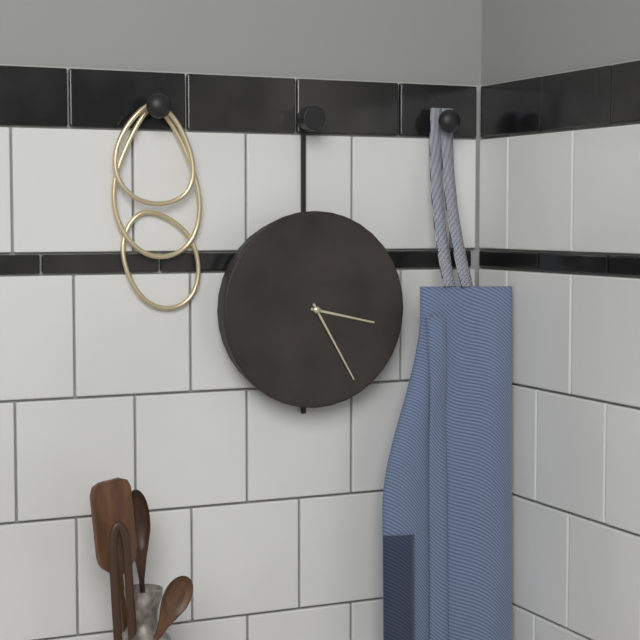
3:25
